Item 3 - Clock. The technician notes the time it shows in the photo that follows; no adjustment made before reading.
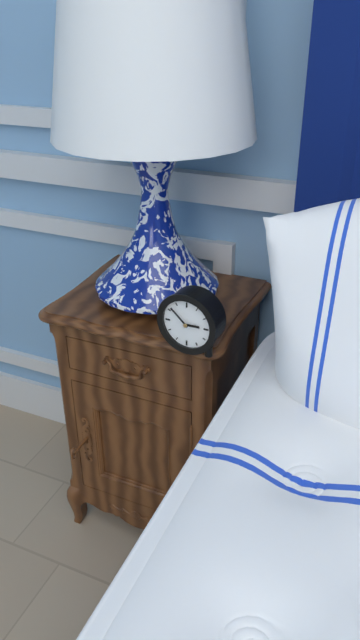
2:52
